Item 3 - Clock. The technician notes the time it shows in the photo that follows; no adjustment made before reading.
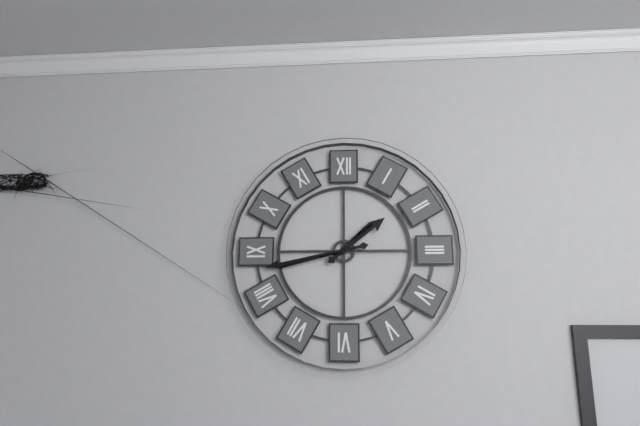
1:43
